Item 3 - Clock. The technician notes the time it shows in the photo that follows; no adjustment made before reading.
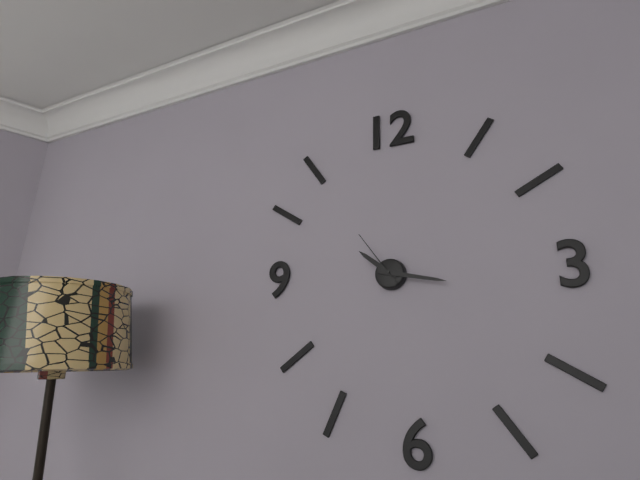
10:17:54
